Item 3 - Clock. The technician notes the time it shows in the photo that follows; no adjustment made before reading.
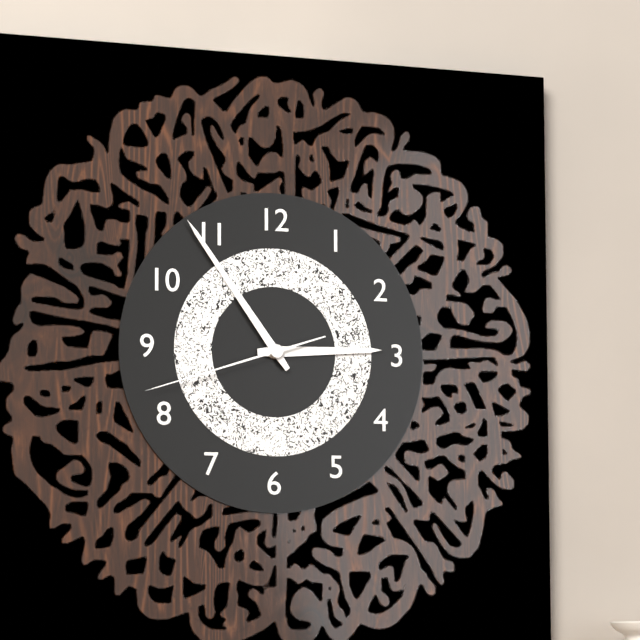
2:54:42
